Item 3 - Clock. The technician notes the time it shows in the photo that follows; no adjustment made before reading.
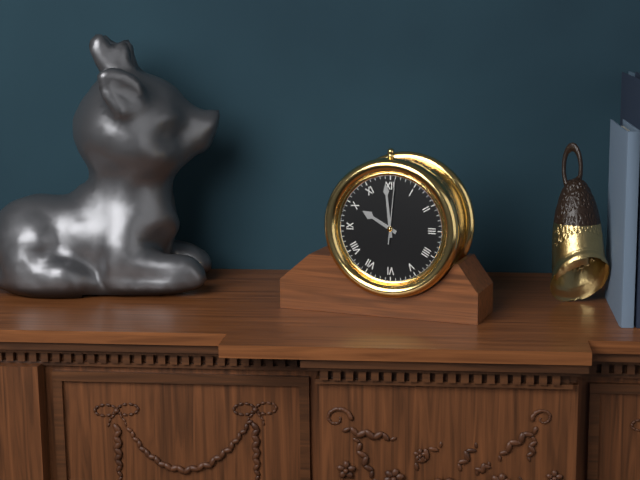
9:59:01
